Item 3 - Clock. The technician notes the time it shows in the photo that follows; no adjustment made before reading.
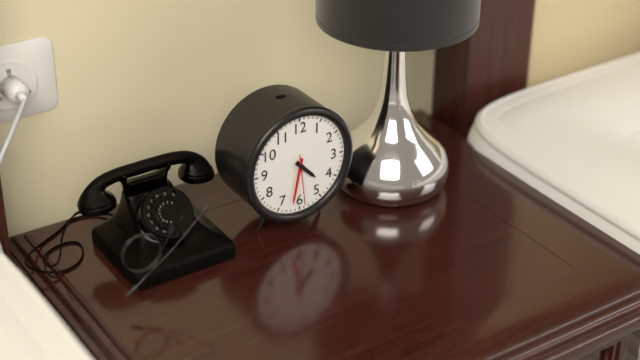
4:32
